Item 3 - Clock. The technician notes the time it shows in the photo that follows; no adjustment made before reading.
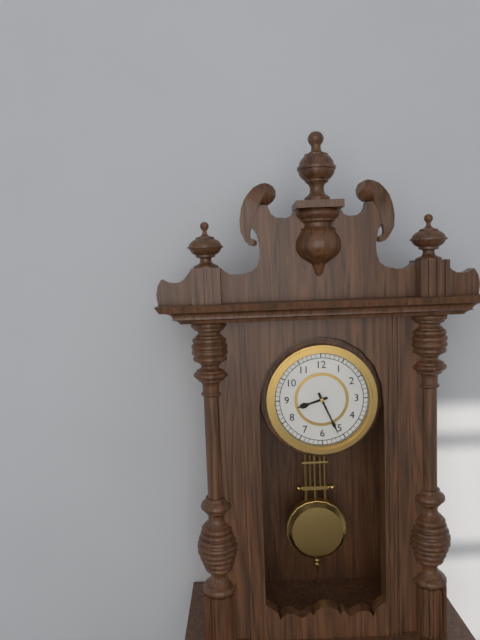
8:26
